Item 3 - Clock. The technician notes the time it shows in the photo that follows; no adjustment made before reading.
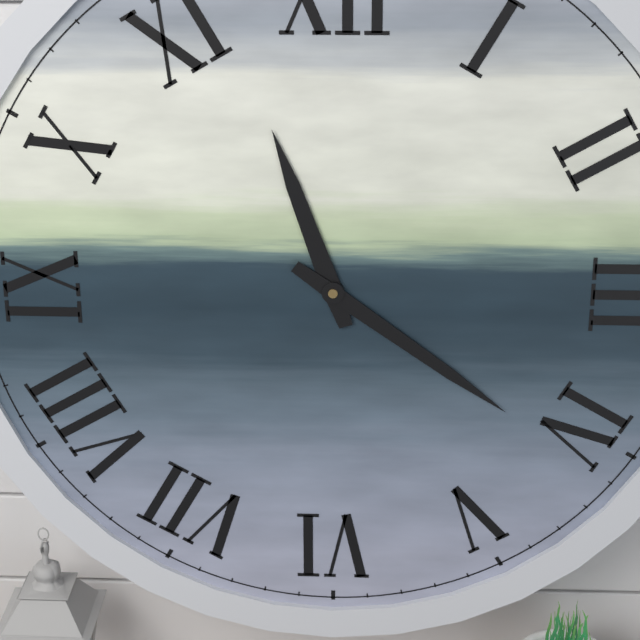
11:21
